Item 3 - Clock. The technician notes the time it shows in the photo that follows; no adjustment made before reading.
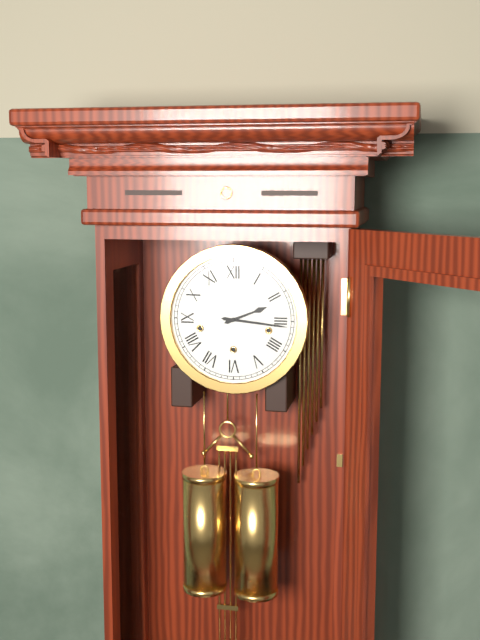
2:16
